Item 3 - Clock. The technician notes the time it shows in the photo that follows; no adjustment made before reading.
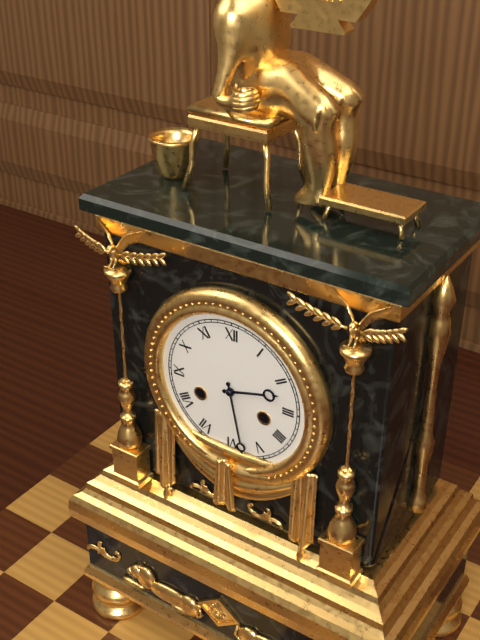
2:28
